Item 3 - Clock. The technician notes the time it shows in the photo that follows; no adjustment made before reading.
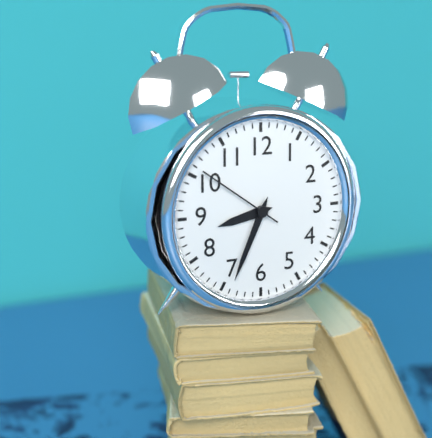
8:34:51
